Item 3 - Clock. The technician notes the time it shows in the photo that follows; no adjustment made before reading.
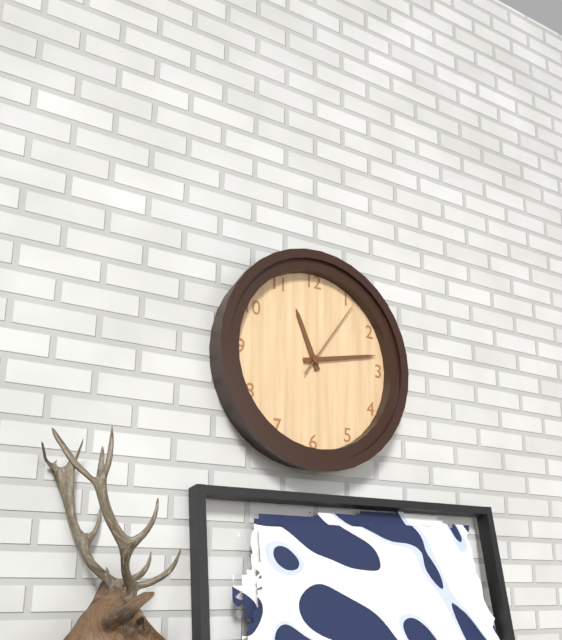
11:13:06
